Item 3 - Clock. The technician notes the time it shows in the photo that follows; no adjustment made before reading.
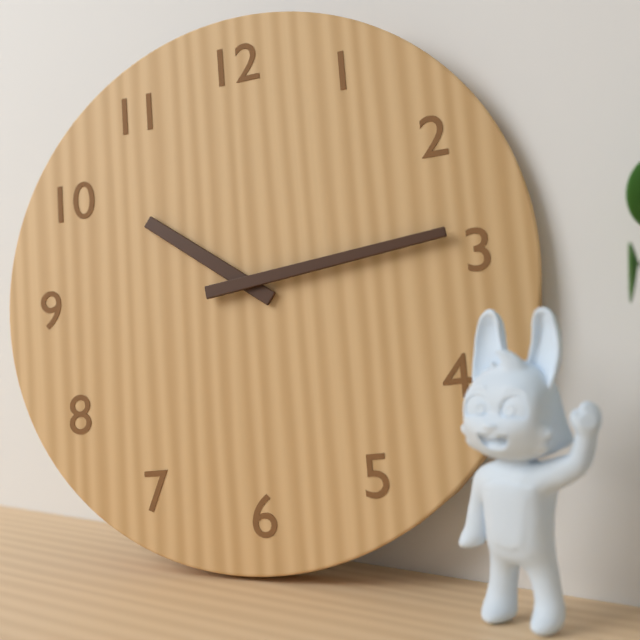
10:14
